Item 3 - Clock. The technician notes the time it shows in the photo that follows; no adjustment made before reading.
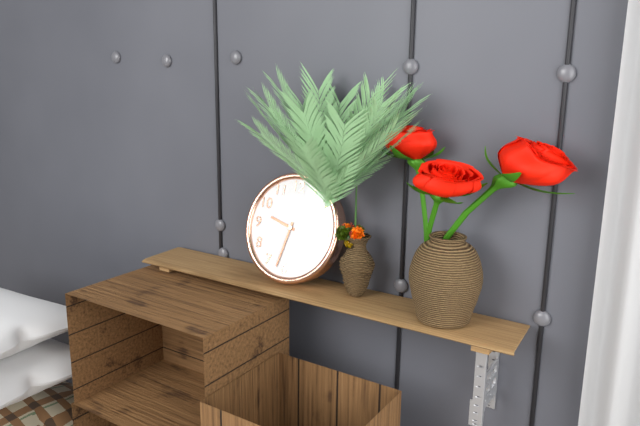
9:32
